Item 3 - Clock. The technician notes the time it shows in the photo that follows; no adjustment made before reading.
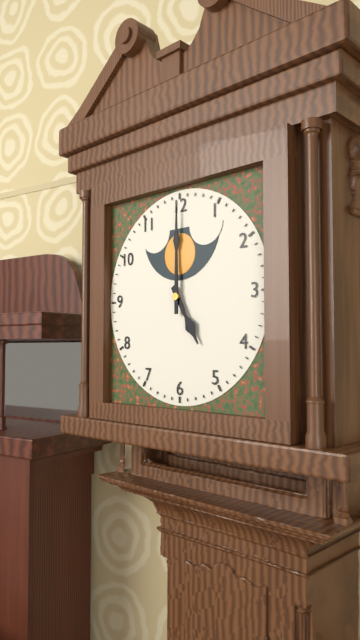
5:00
